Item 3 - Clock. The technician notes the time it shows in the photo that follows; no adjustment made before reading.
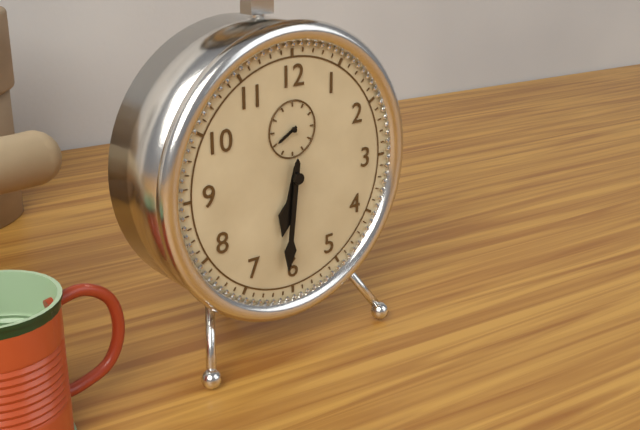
6:31
